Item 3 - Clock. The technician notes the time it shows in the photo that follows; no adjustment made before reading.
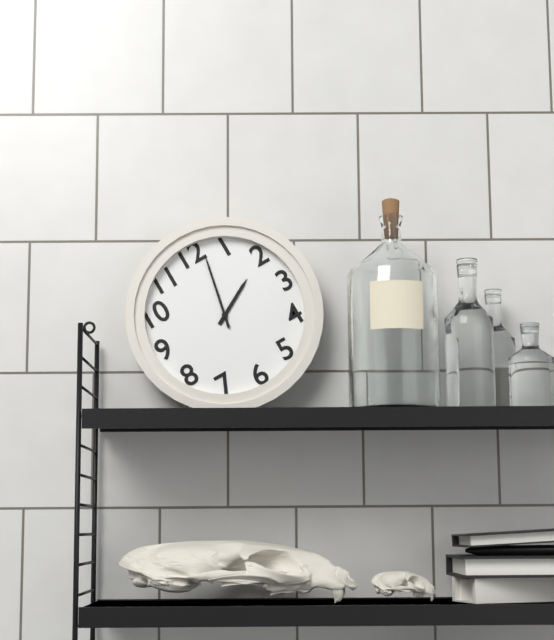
2:02
